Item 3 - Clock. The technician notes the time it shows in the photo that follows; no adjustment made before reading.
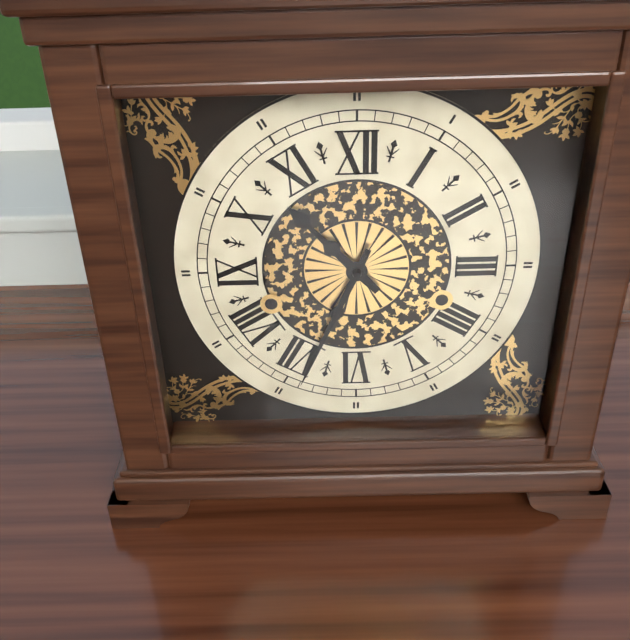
10:34
